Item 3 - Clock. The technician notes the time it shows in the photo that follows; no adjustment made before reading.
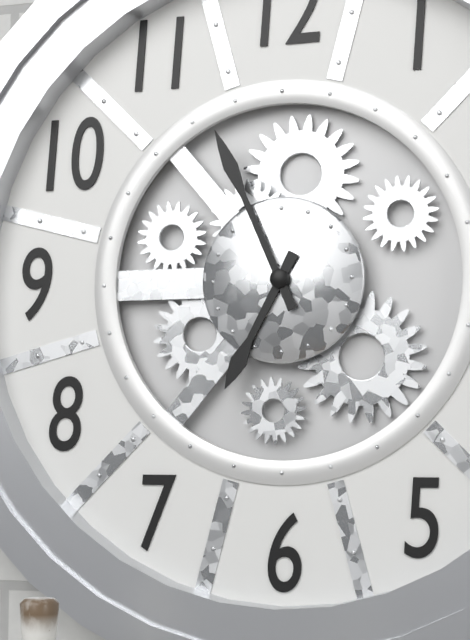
6:56
